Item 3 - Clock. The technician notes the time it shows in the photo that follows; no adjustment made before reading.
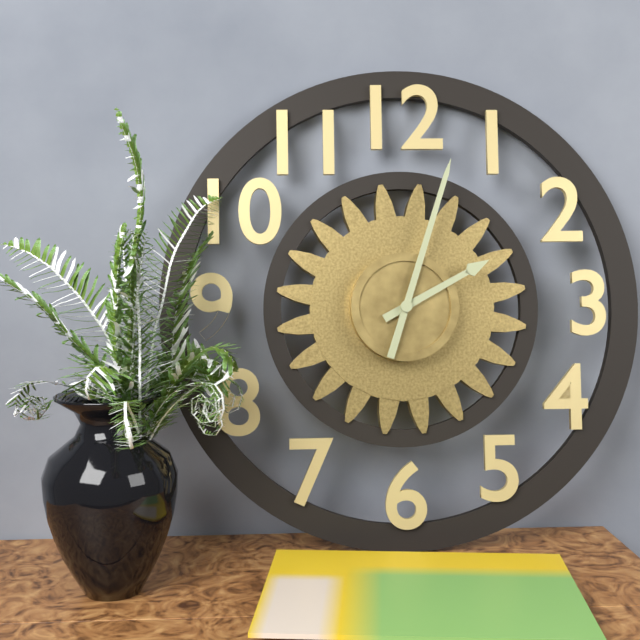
2:03
